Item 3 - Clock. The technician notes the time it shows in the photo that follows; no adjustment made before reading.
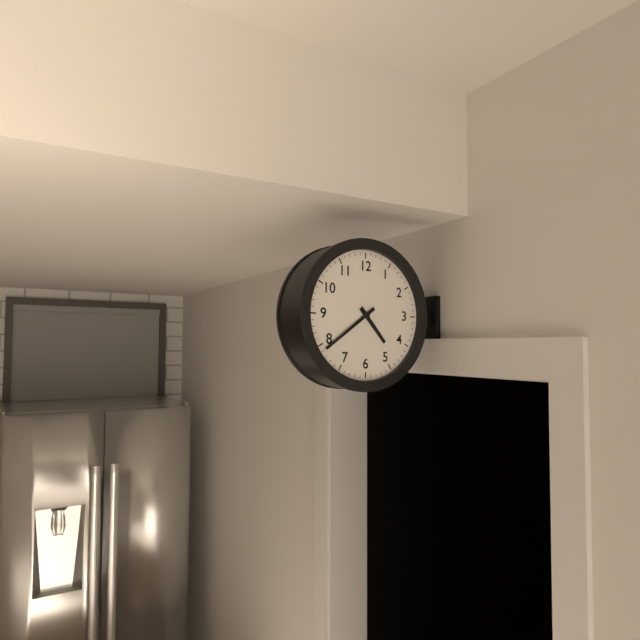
4:39
